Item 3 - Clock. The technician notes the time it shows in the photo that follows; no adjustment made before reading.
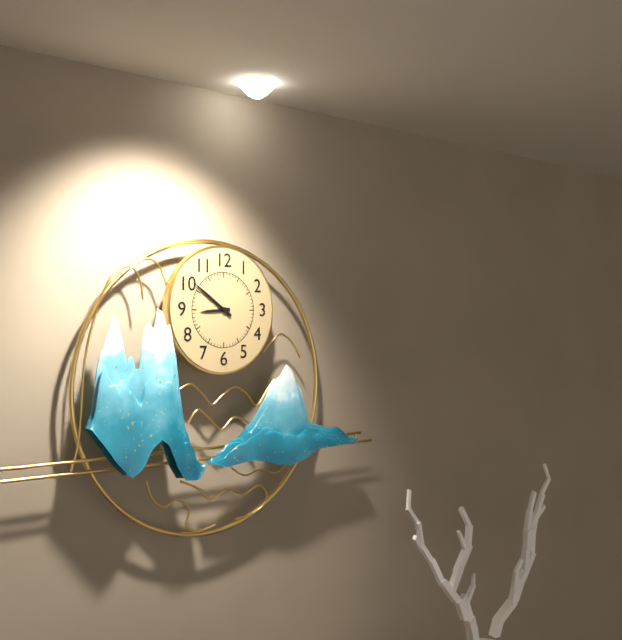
8:51
